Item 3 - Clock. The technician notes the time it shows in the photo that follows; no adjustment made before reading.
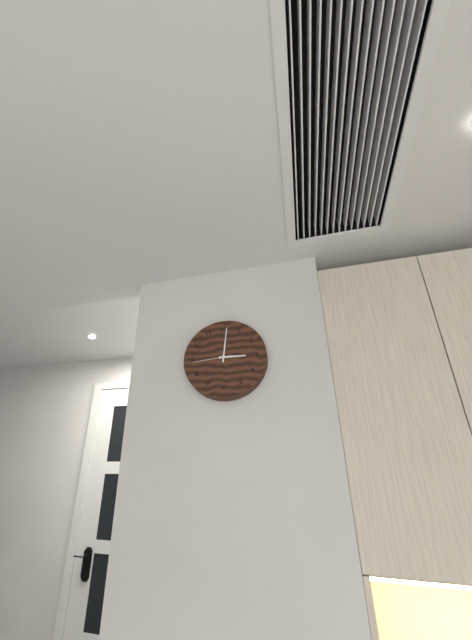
3:01
